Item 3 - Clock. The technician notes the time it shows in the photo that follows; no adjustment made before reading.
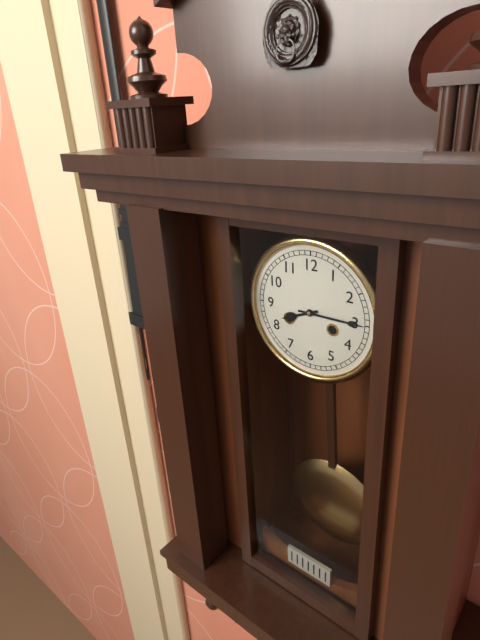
8:15
